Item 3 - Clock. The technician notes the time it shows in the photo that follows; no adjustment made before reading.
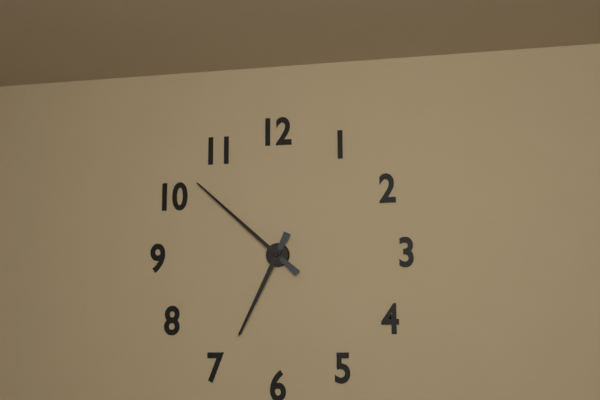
6:52
